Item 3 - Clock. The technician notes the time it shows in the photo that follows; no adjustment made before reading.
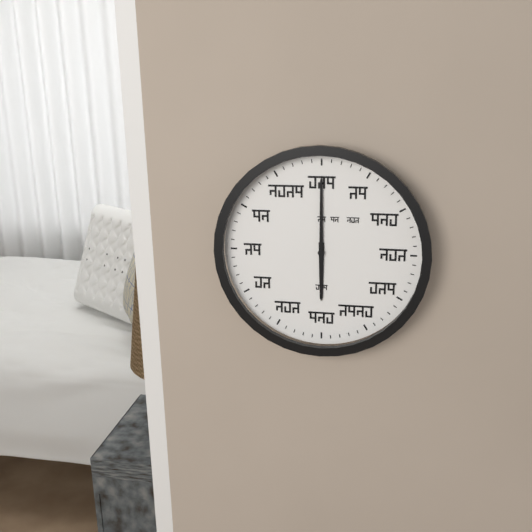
6:00
